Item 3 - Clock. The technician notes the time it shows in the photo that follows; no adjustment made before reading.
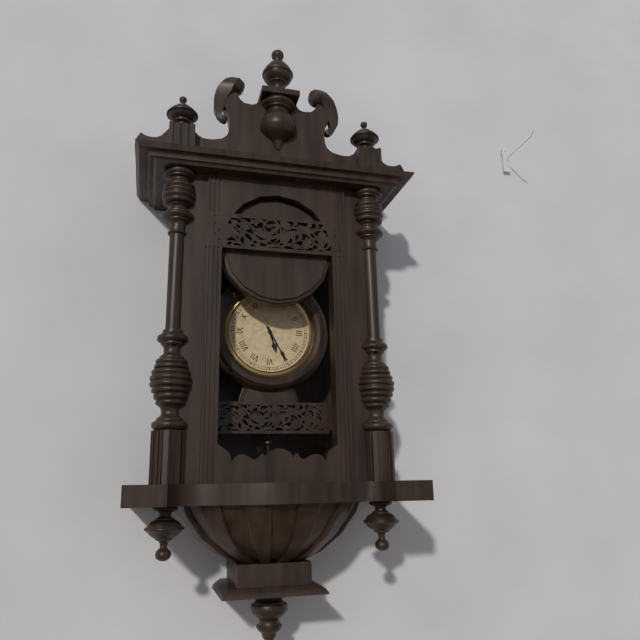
5:25
